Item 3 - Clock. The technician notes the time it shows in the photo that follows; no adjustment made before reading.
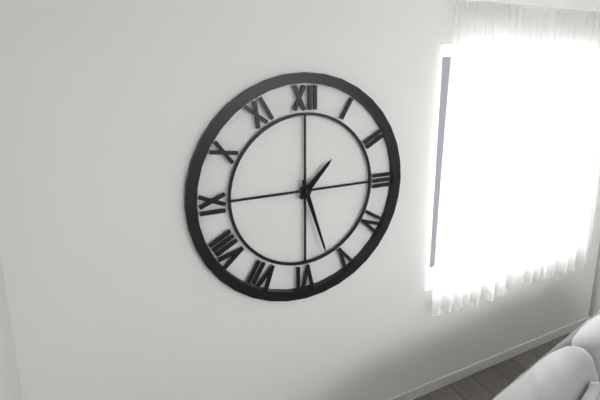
1:27
